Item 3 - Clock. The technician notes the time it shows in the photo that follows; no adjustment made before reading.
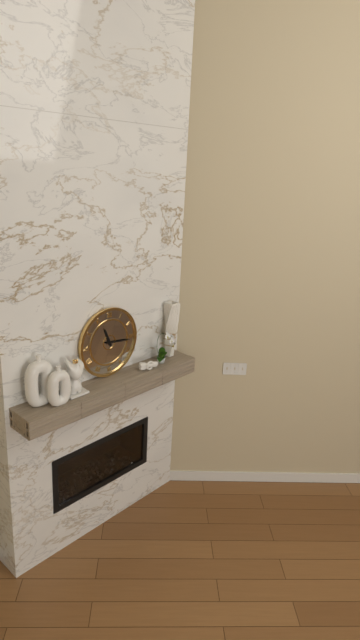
11:16
